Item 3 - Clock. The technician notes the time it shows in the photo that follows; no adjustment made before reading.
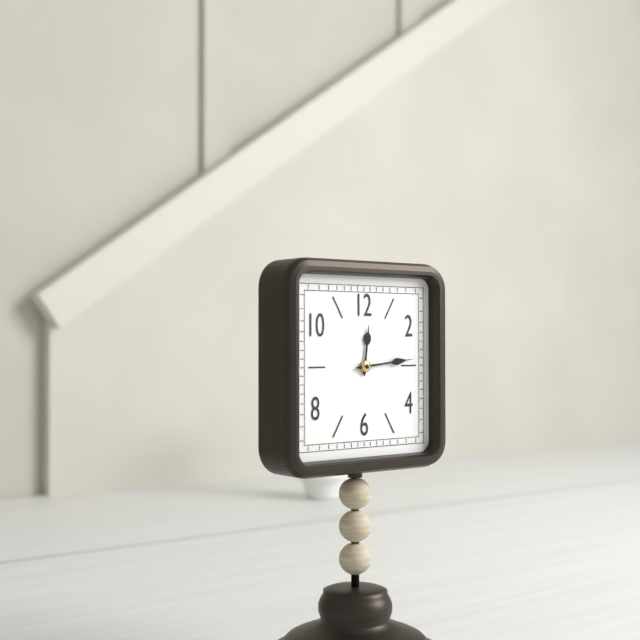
12:14
